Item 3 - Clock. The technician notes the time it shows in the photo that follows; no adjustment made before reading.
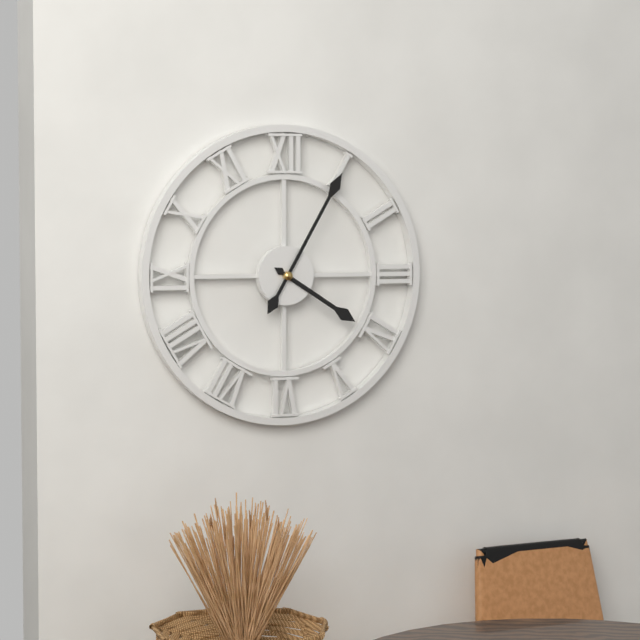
4:05
